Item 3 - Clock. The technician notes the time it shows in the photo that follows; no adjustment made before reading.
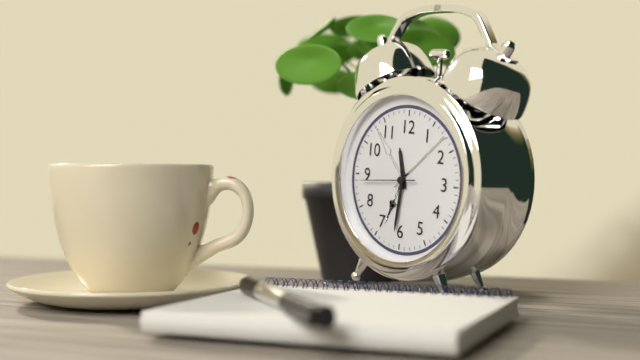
11:31:44
